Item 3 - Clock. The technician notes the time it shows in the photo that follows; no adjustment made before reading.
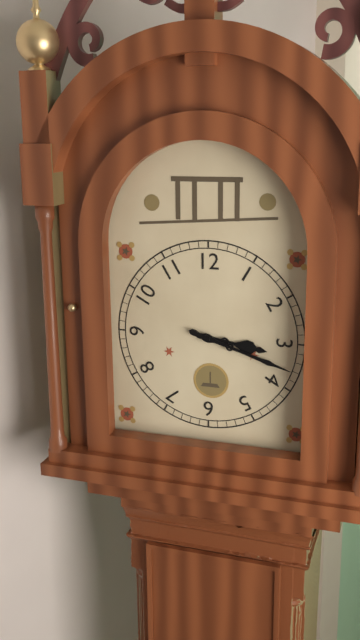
3:18
